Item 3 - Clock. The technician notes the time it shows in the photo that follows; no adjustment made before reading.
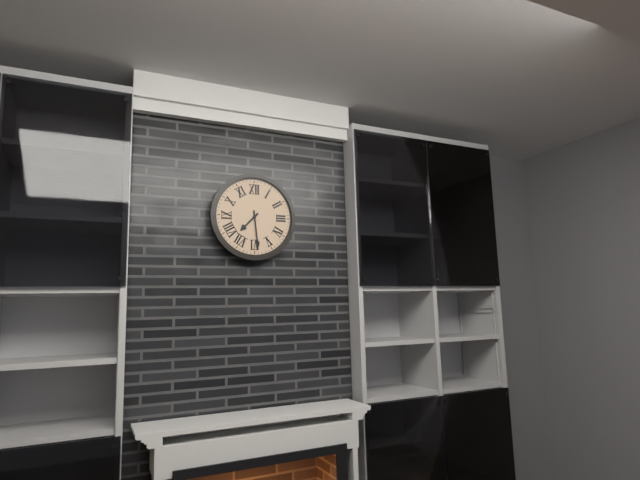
7:29
